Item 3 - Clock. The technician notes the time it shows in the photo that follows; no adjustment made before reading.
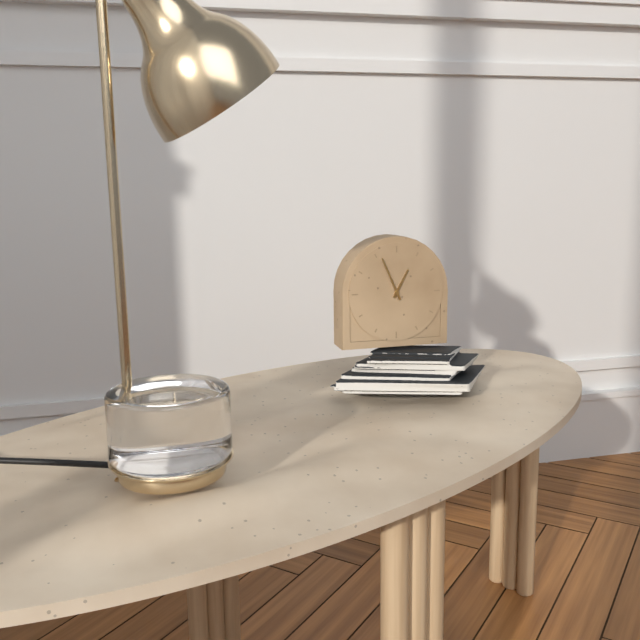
12:56
